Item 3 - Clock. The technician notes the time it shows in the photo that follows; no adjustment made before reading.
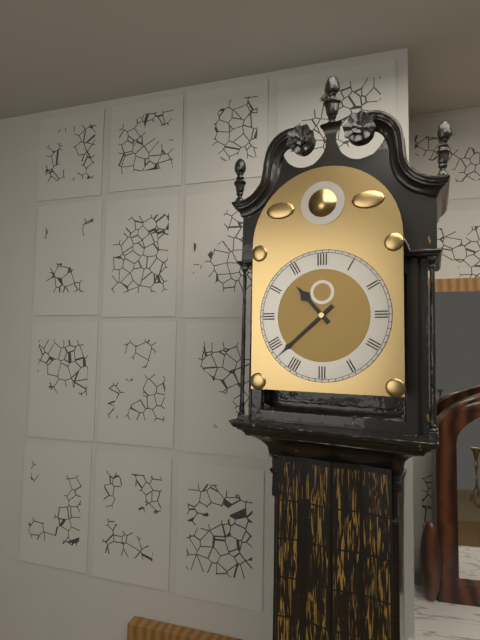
10:38
